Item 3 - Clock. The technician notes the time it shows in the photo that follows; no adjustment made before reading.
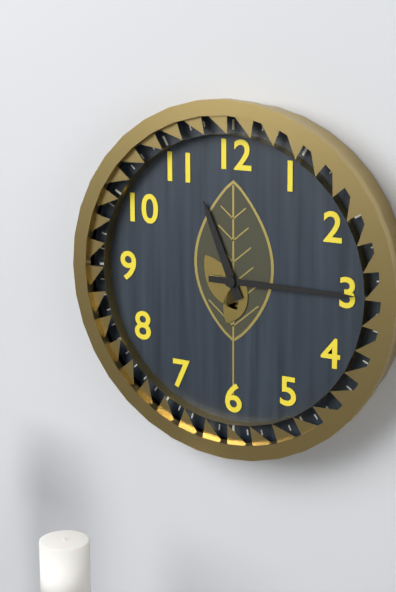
11:15
